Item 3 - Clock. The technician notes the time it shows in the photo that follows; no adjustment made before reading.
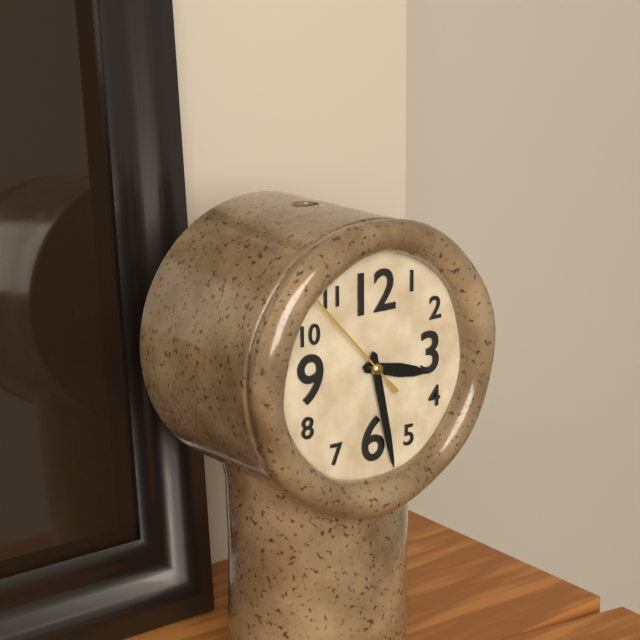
3:28:53
